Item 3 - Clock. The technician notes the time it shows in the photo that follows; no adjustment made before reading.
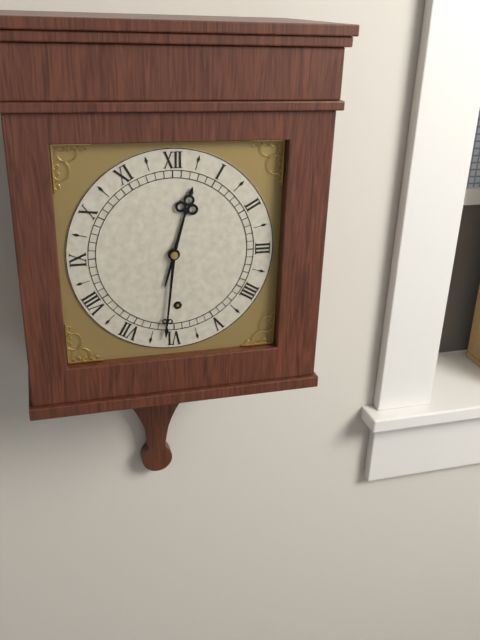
12:31
